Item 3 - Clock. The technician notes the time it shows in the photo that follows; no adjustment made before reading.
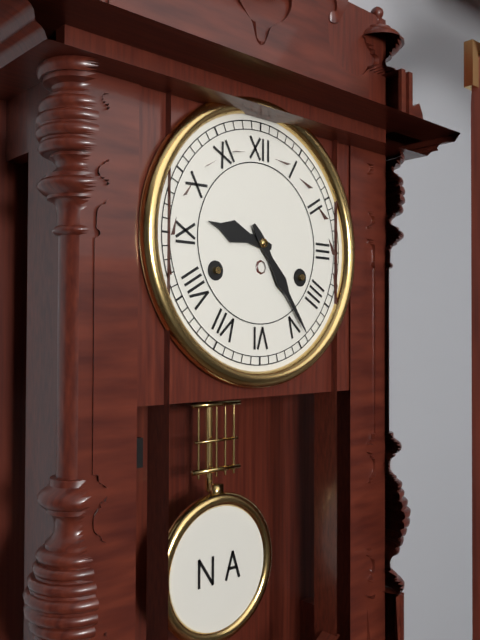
9:24
